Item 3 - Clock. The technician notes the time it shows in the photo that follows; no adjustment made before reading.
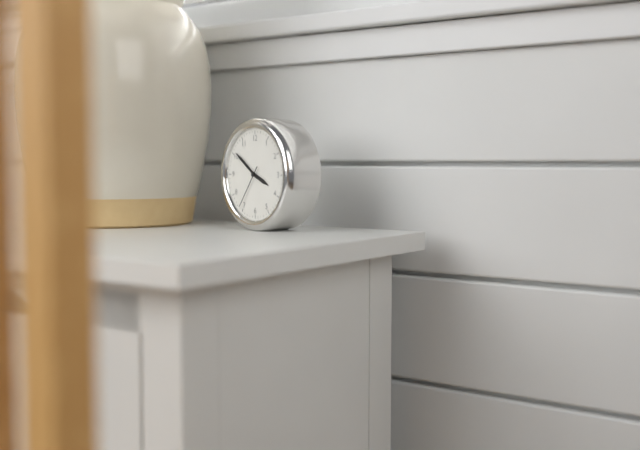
3:51
